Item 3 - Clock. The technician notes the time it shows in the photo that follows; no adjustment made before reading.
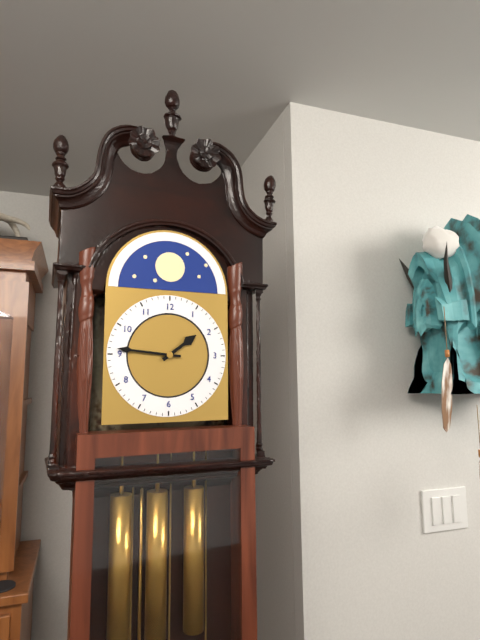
1:46
